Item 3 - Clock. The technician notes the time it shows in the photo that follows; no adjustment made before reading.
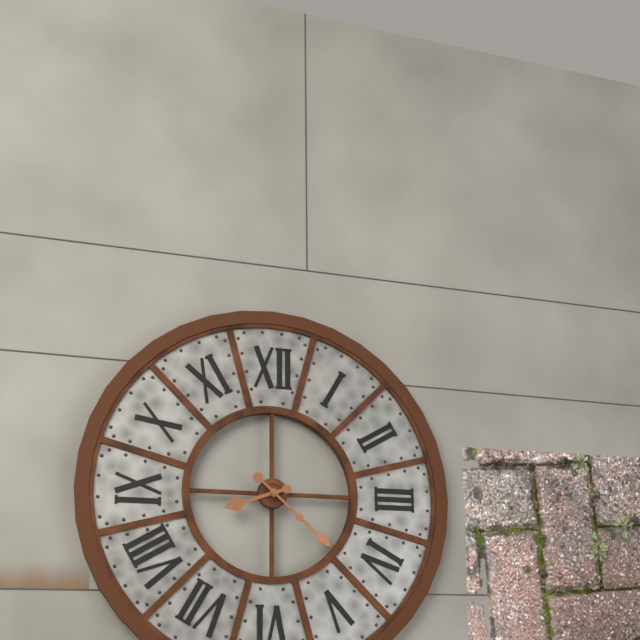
8:22
